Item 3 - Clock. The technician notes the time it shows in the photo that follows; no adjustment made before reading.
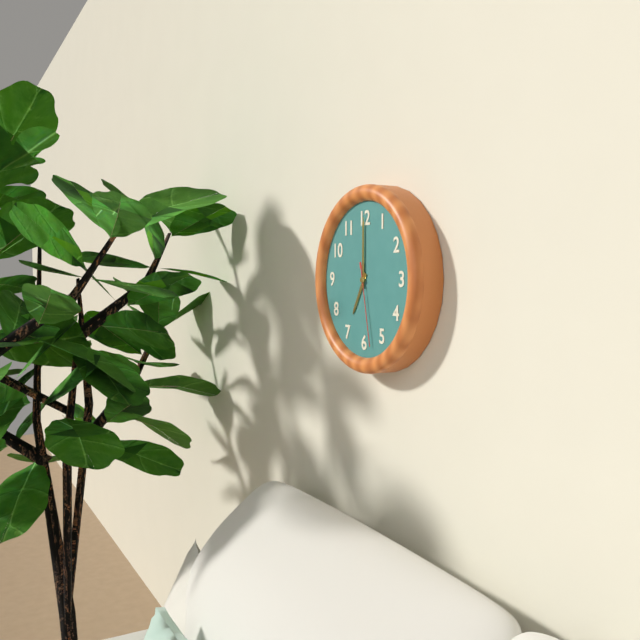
7:00:28
